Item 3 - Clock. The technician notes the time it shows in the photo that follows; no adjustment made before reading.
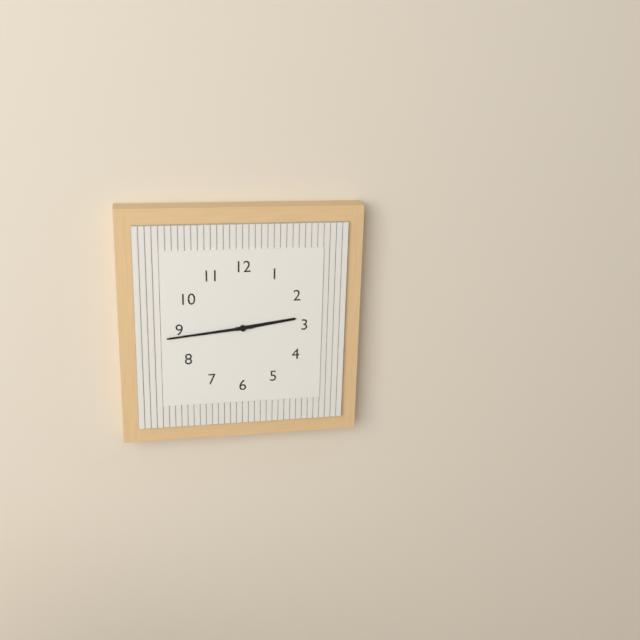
2:44
